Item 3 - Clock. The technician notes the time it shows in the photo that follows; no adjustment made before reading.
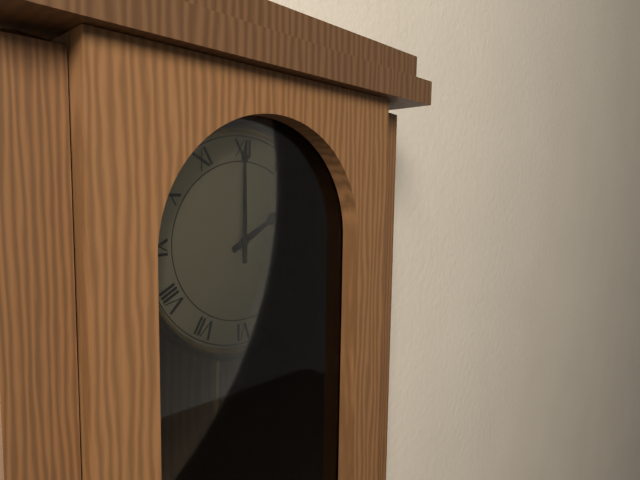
2:00
